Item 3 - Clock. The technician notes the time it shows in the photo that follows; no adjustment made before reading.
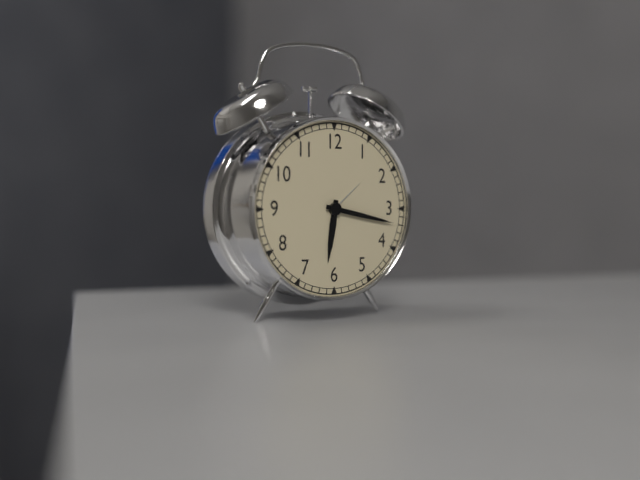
6:17
